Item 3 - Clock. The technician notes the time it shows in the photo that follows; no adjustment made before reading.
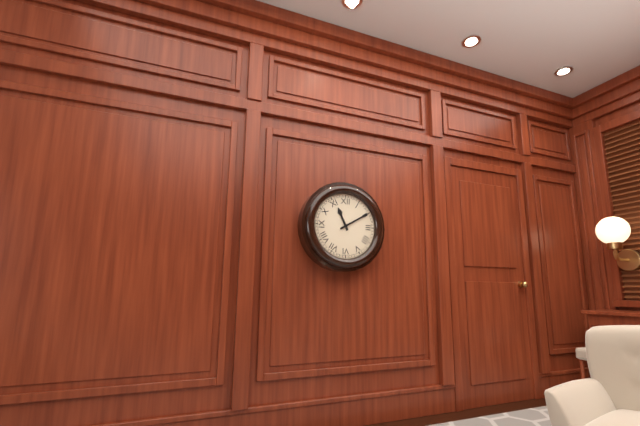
11:10
